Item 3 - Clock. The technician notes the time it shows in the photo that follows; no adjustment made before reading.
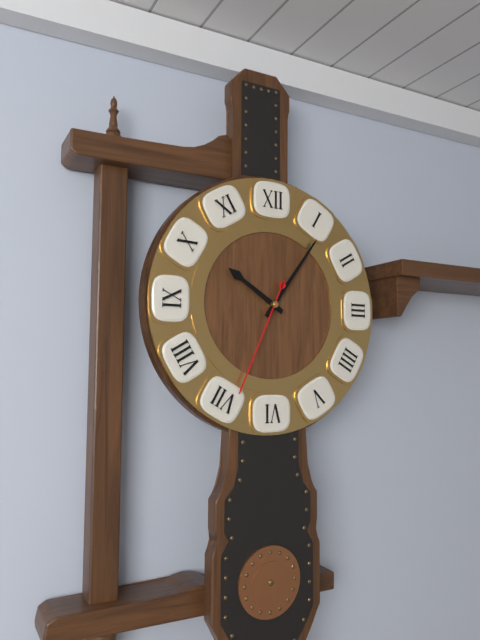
10:06:34
